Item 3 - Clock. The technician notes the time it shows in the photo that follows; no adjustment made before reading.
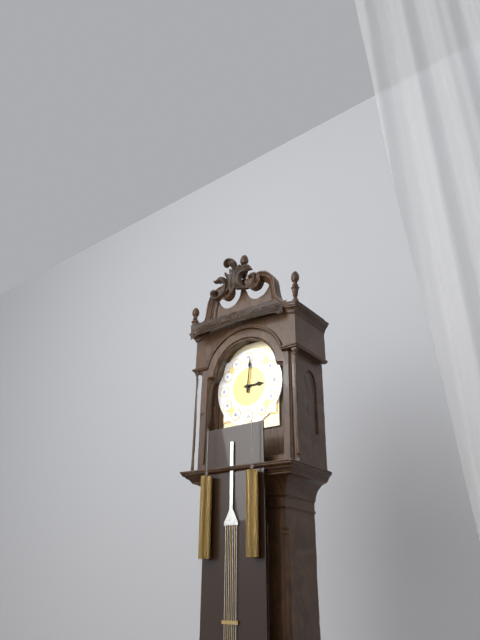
3:01
